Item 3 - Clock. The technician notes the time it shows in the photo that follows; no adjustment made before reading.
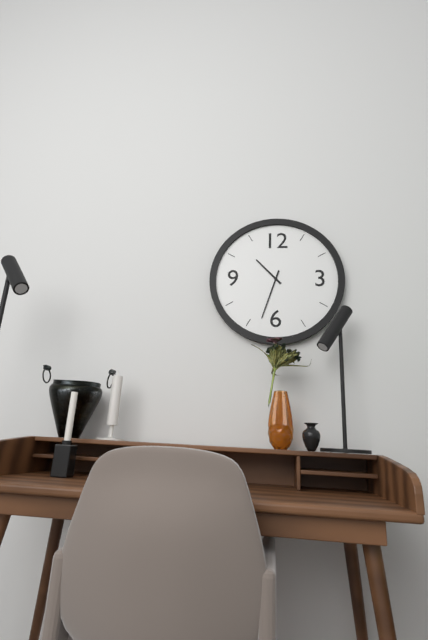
10:33
